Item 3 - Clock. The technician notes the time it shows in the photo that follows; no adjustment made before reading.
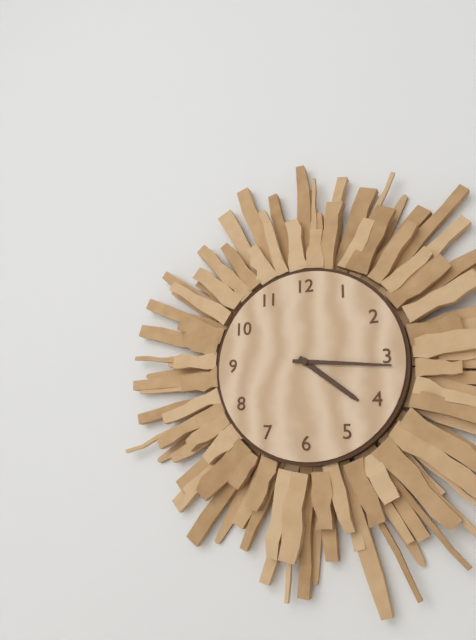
4:16
